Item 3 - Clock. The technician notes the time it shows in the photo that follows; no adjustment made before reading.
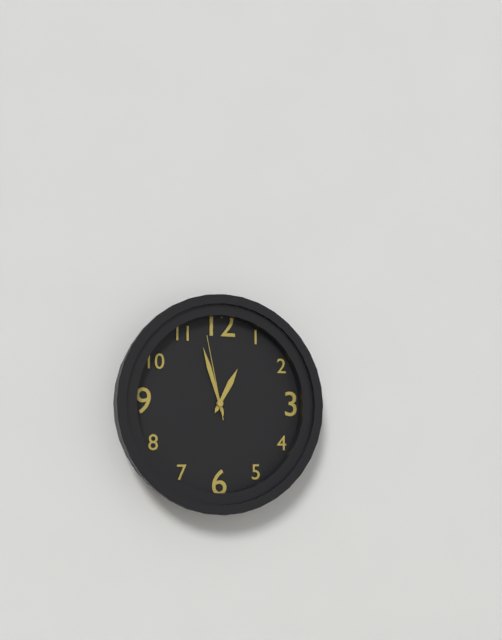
12:57:58
